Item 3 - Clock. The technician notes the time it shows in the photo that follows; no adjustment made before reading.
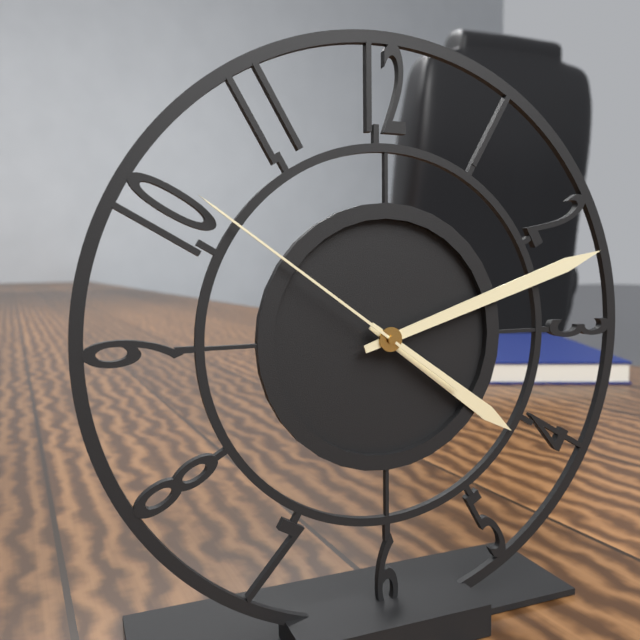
4:12:51
